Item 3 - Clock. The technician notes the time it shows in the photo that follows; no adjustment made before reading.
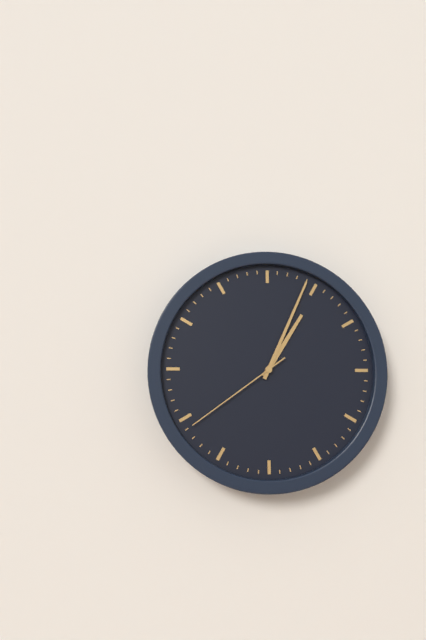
1:04:39
